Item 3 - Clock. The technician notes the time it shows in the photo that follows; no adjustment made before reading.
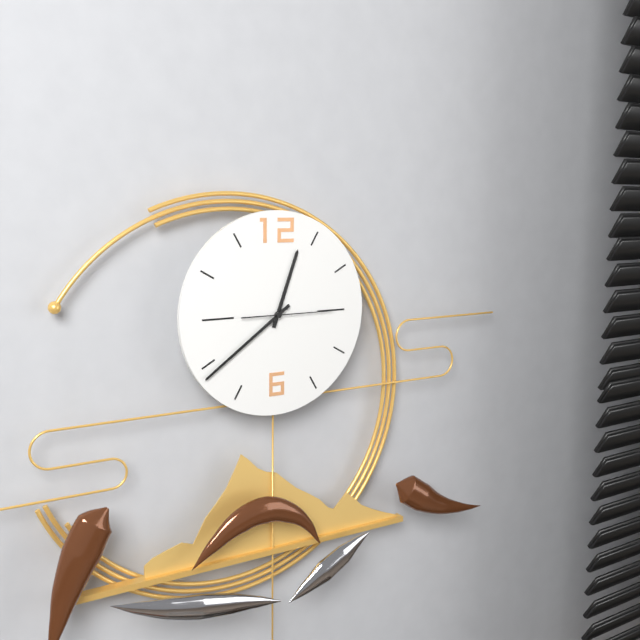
12:39:15
